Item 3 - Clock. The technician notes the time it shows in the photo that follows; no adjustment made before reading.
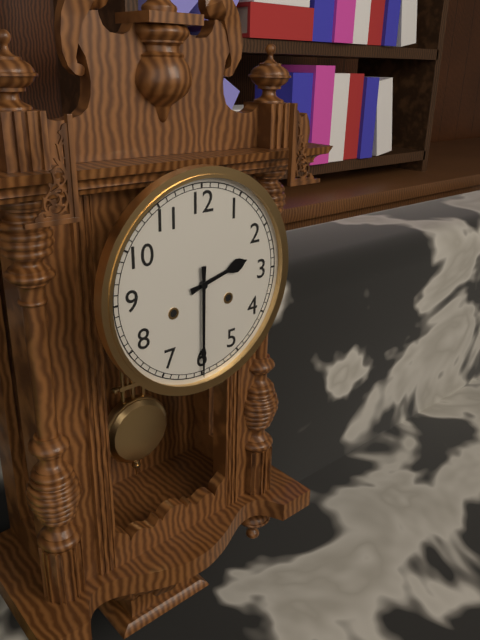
2:30
